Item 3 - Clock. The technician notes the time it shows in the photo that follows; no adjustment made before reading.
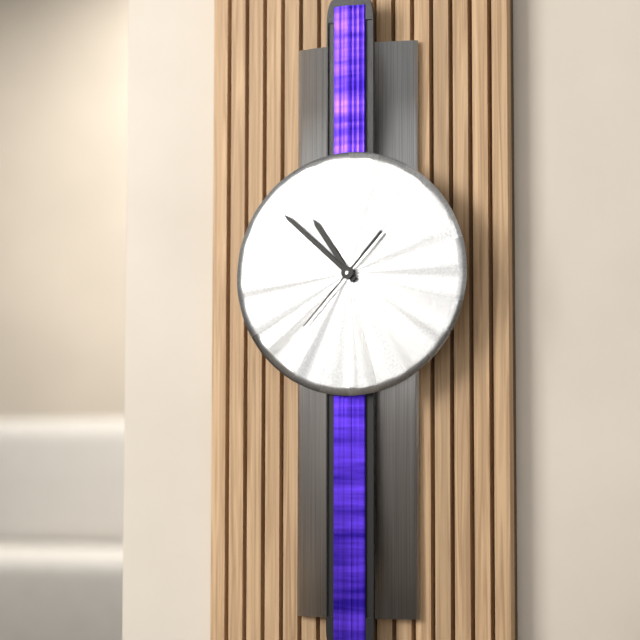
10:52:37
